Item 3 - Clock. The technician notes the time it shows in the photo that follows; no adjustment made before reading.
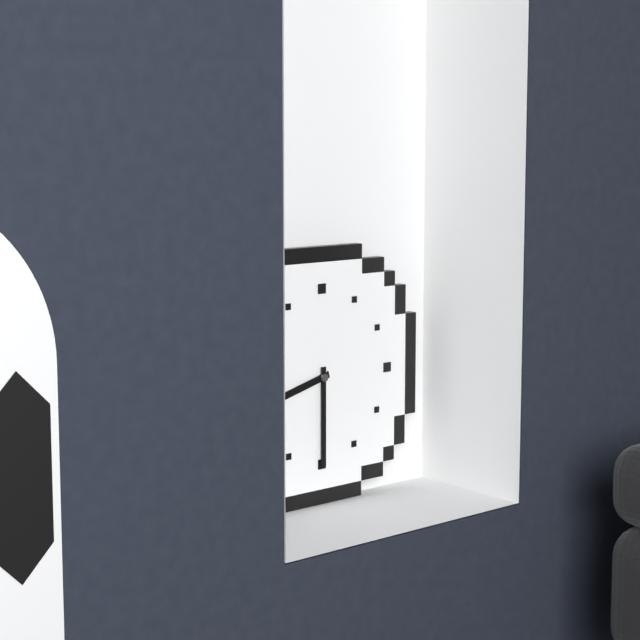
8:30
